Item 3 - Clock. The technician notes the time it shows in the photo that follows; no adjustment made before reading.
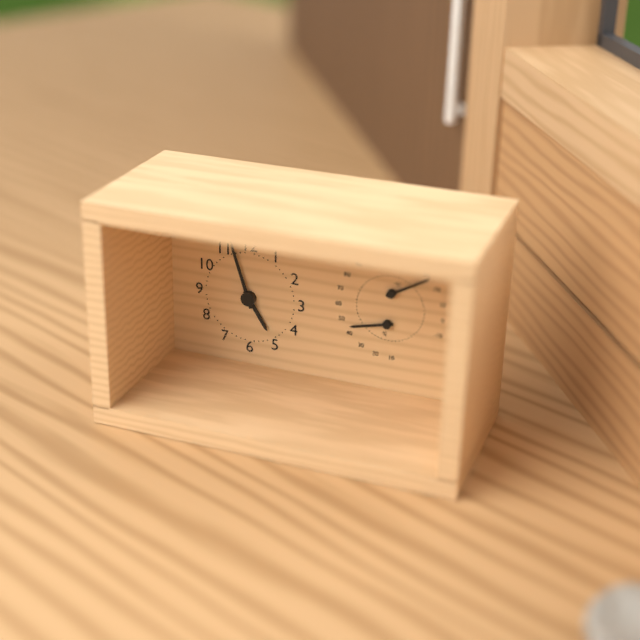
4:57
